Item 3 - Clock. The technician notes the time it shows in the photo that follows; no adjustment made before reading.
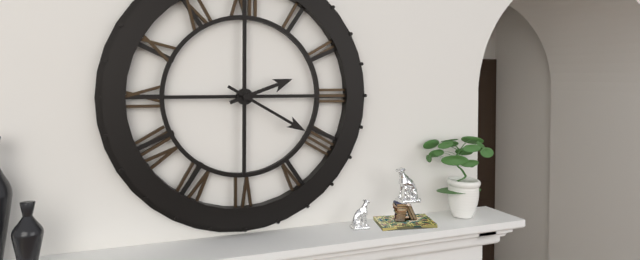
2:20
